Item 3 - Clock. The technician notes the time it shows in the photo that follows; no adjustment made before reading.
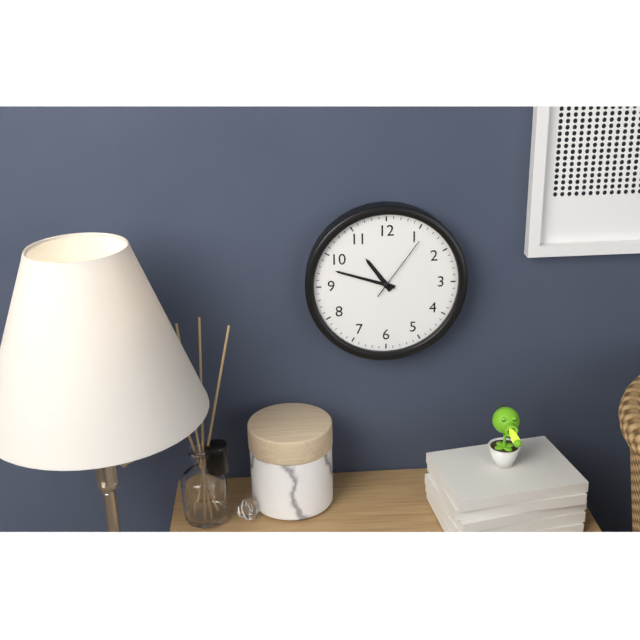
10:48:06
